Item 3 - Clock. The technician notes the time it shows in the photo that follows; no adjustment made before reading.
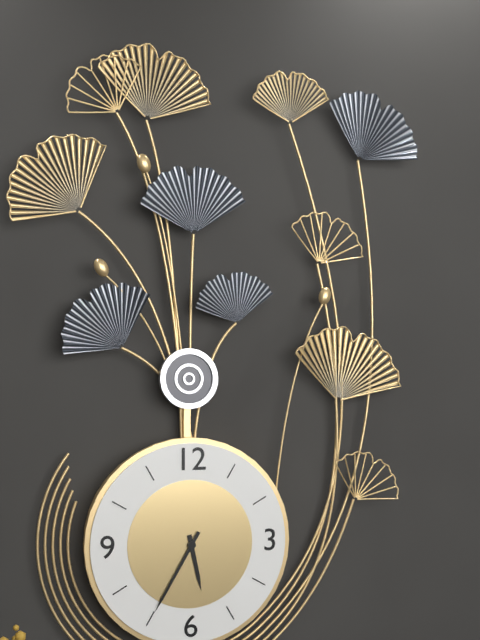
5:35
